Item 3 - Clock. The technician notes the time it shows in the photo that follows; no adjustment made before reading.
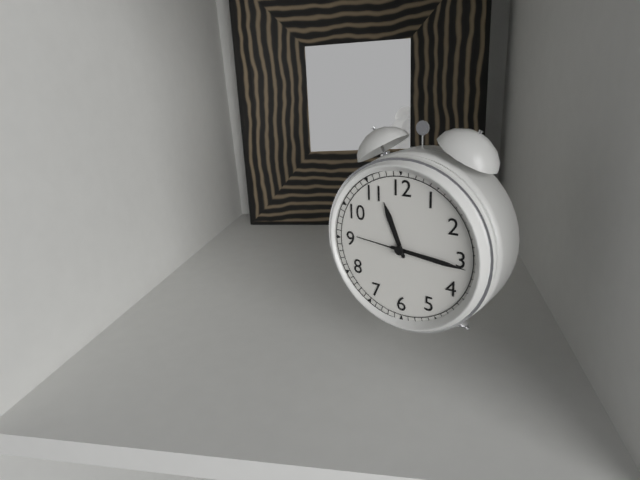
11:16:46
